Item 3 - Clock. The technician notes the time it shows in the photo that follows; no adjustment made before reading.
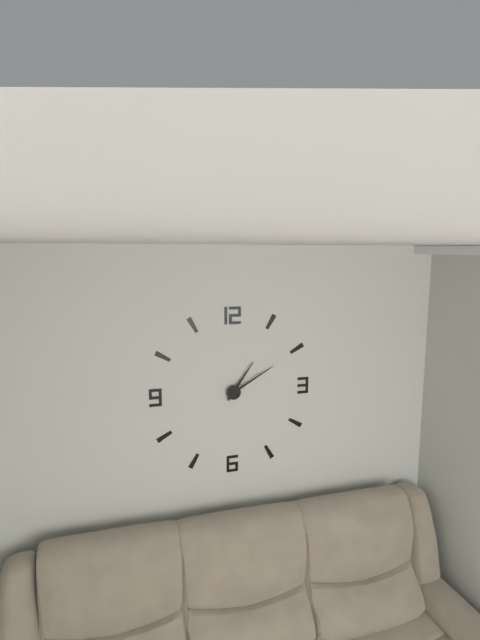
1:10
